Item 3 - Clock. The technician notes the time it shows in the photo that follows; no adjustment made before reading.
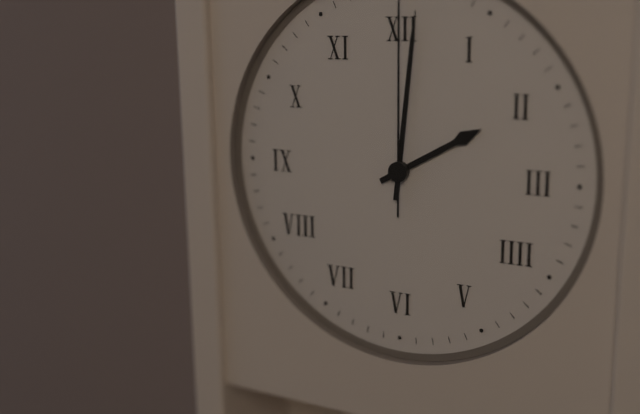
2:01
